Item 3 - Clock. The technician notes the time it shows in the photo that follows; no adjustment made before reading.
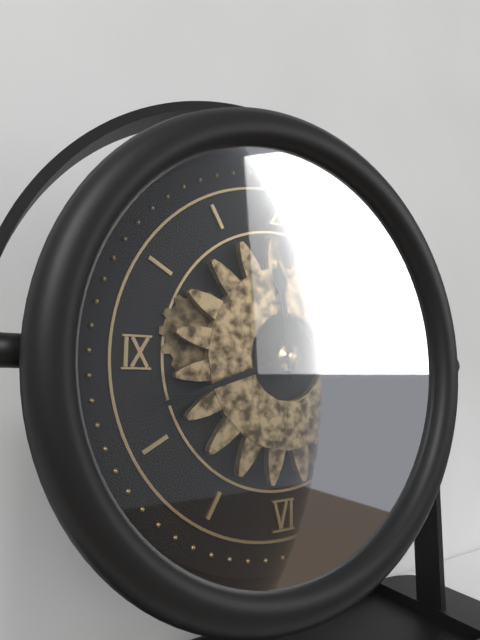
11:42
